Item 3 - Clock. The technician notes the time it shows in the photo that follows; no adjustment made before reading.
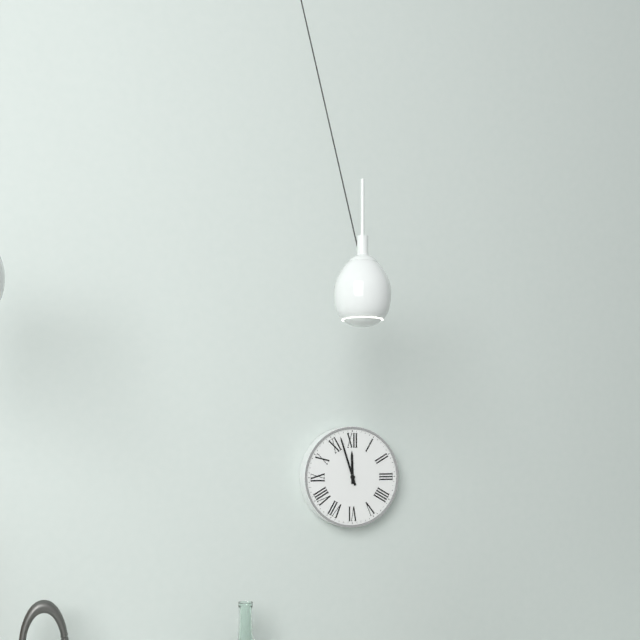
11:57
